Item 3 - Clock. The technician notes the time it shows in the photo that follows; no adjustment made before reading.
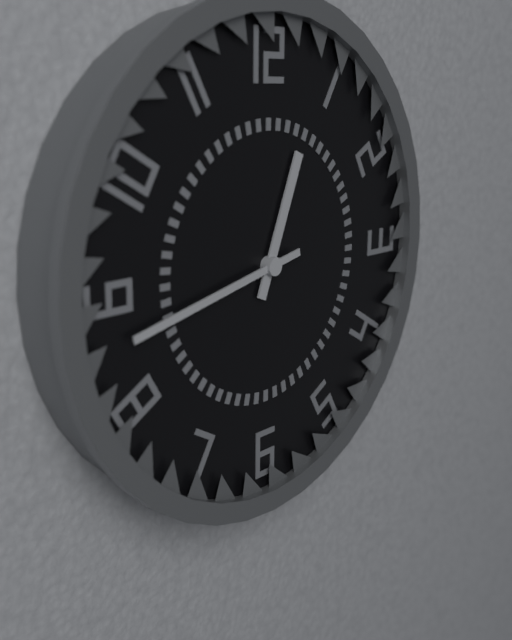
12:43
